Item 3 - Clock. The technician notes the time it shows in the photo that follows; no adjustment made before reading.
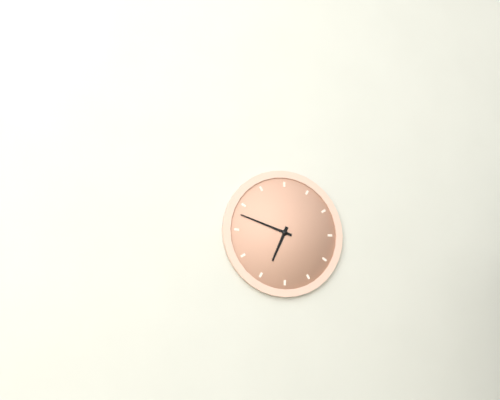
6:48
